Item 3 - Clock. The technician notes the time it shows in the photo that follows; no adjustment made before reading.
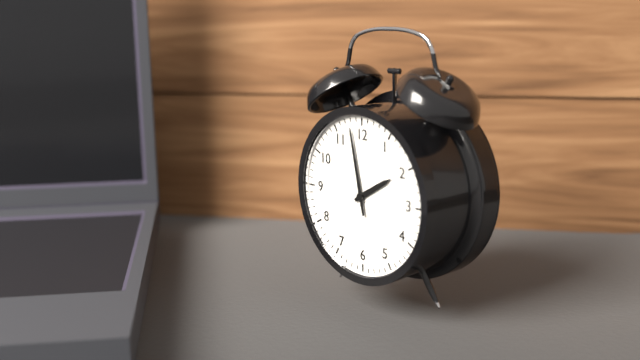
1:58
